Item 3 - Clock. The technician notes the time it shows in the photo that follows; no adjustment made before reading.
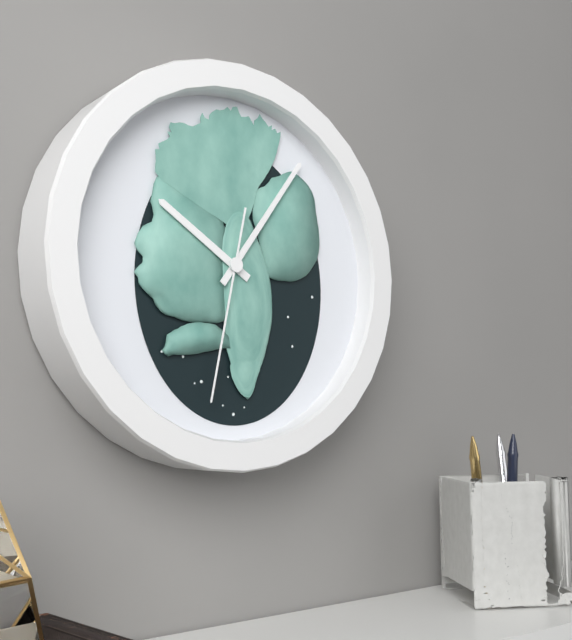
10:06:32
